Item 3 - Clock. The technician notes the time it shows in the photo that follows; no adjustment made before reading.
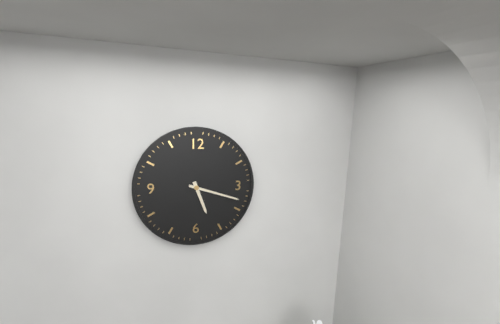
5:18
